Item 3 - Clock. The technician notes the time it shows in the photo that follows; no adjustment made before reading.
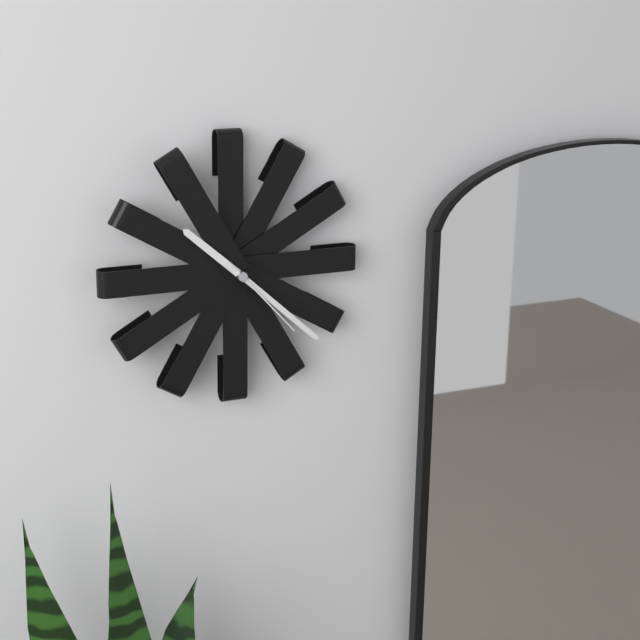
10:22:23
